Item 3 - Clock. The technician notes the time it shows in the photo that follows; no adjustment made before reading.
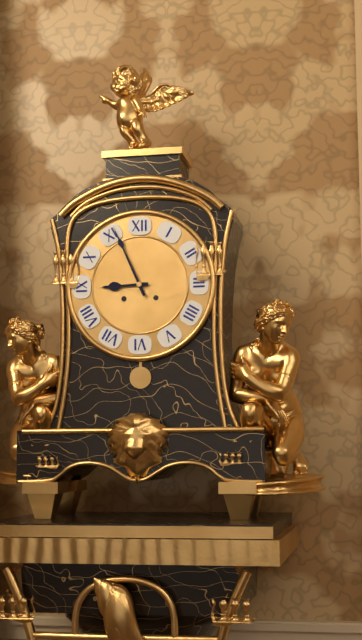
8:56
